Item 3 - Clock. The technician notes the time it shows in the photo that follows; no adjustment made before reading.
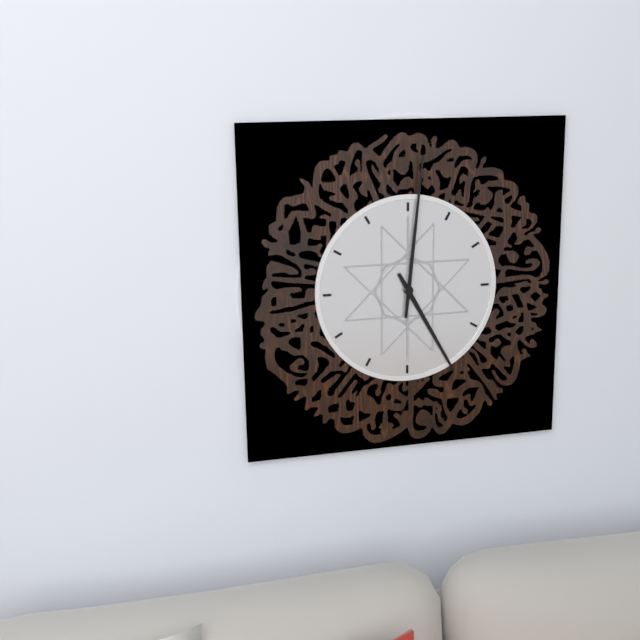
5:01
